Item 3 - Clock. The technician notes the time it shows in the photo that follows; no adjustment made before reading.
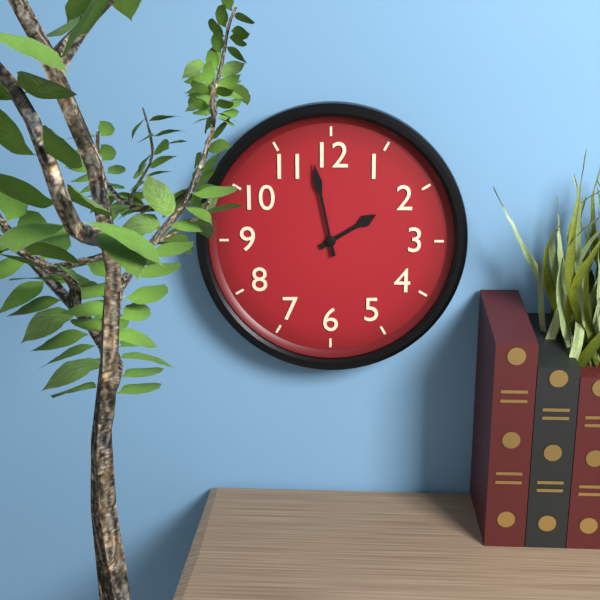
1:58
